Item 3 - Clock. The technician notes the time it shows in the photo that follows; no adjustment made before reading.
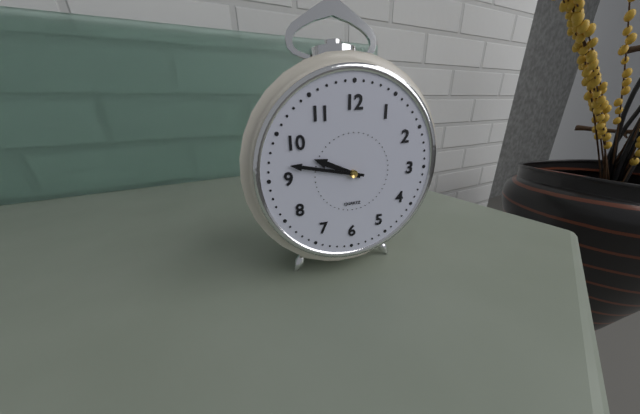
9:47
